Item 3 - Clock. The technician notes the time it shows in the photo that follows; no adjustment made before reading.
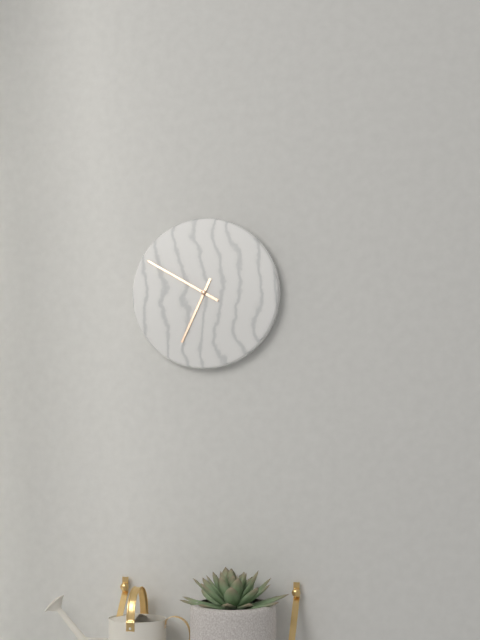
6:50
